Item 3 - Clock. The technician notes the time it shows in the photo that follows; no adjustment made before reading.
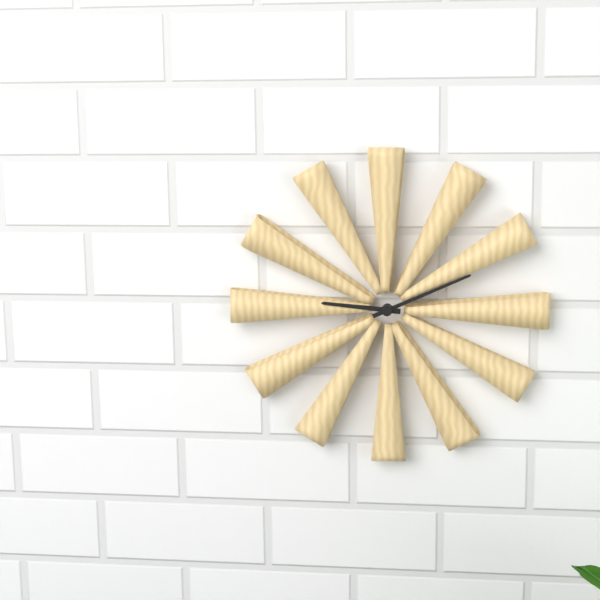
9:11
